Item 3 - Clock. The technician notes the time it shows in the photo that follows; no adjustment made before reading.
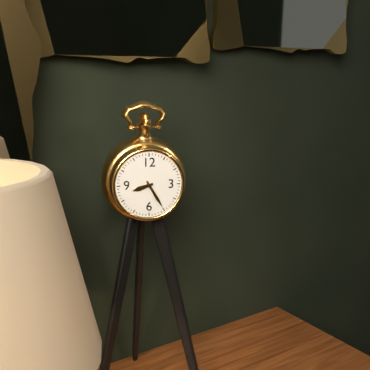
8:25
